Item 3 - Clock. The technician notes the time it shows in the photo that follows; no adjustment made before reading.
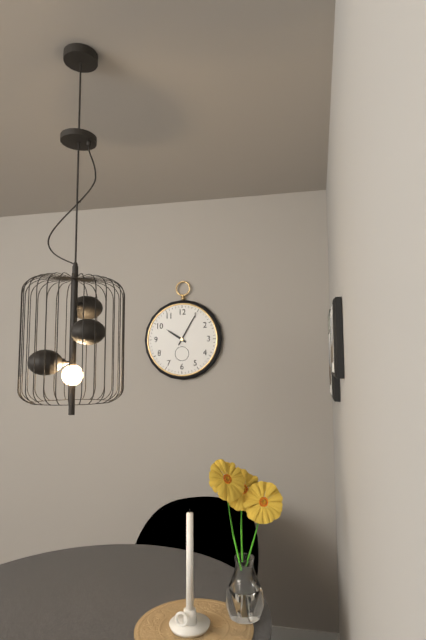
10:05
